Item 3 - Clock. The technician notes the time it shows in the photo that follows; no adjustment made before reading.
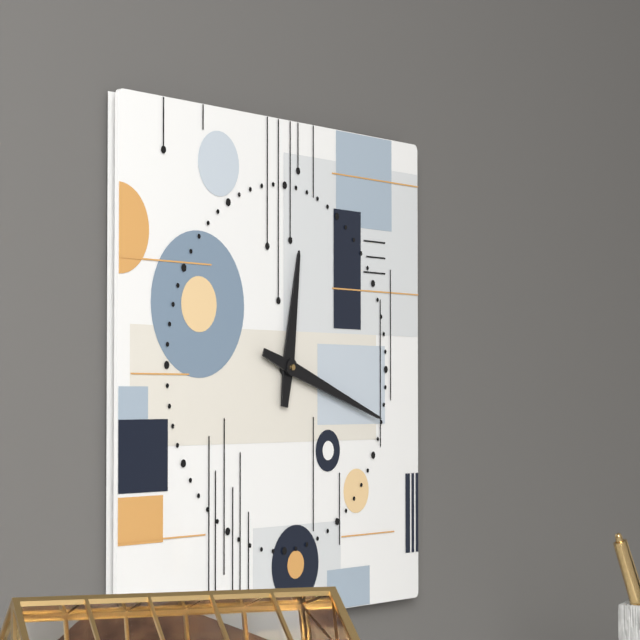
12:18
